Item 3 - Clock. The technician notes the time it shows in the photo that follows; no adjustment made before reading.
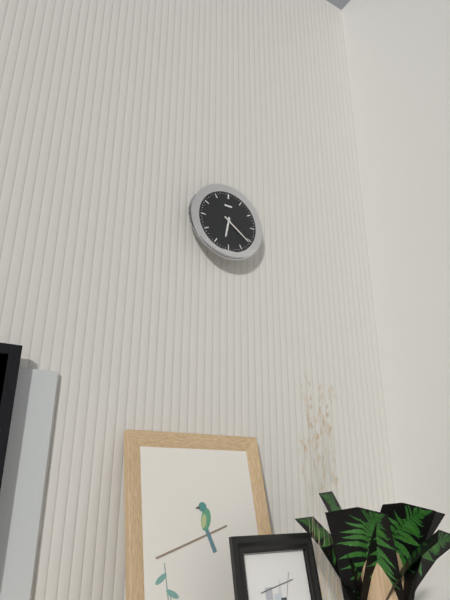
6:21
